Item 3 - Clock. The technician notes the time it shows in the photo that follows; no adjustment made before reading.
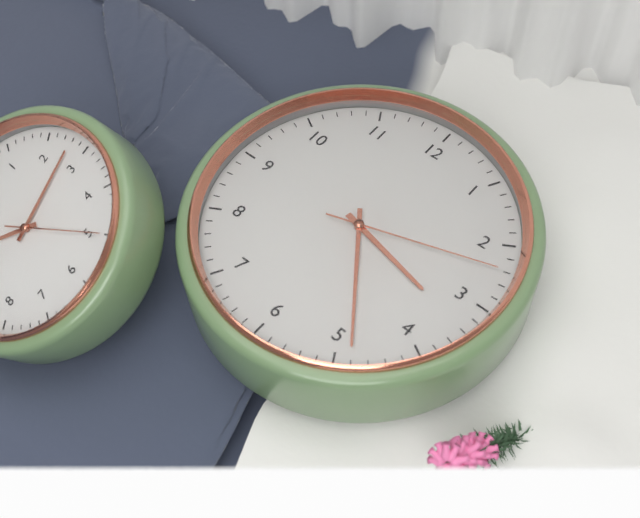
3:24:12
